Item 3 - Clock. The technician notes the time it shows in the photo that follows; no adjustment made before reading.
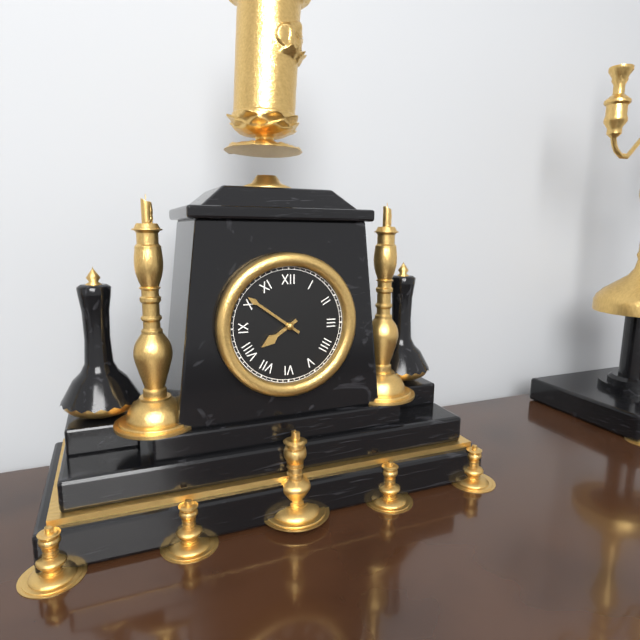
7:51
